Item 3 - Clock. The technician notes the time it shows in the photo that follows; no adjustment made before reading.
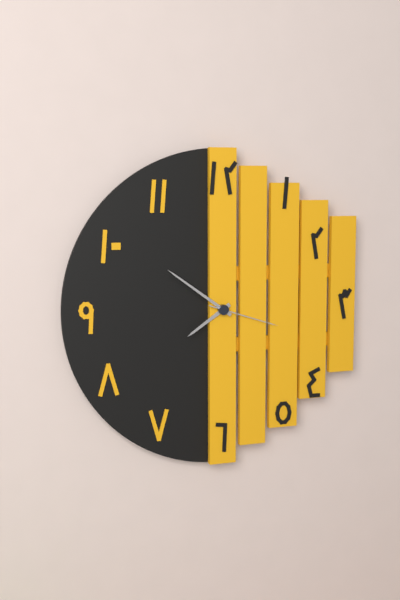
7:51:18
